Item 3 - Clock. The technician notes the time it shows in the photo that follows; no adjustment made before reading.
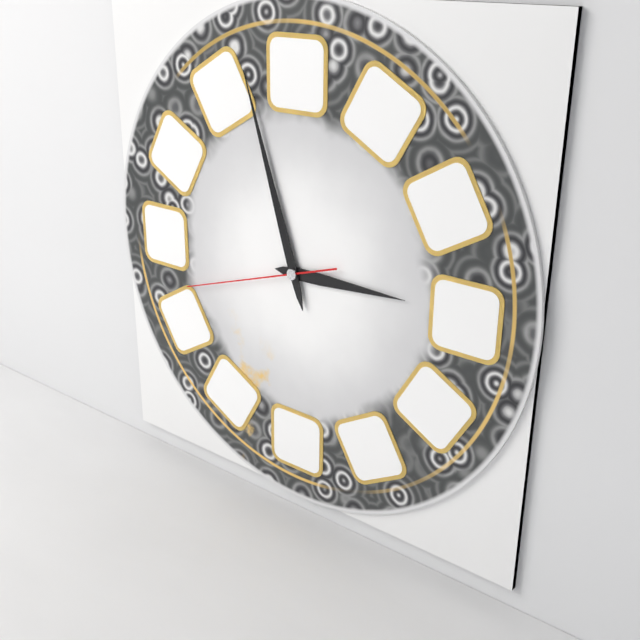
2:57:42
